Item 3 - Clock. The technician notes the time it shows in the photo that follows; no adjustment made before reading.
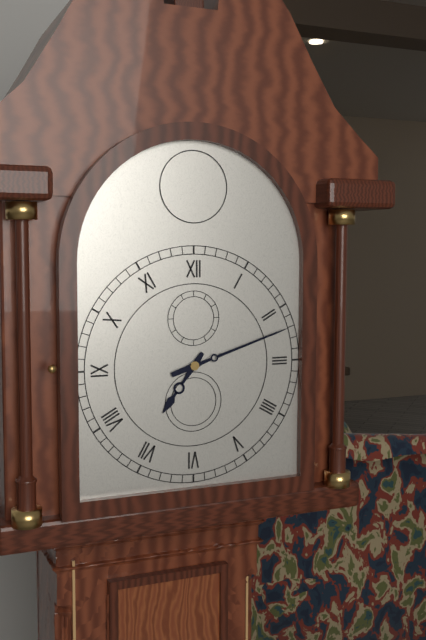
7:12
